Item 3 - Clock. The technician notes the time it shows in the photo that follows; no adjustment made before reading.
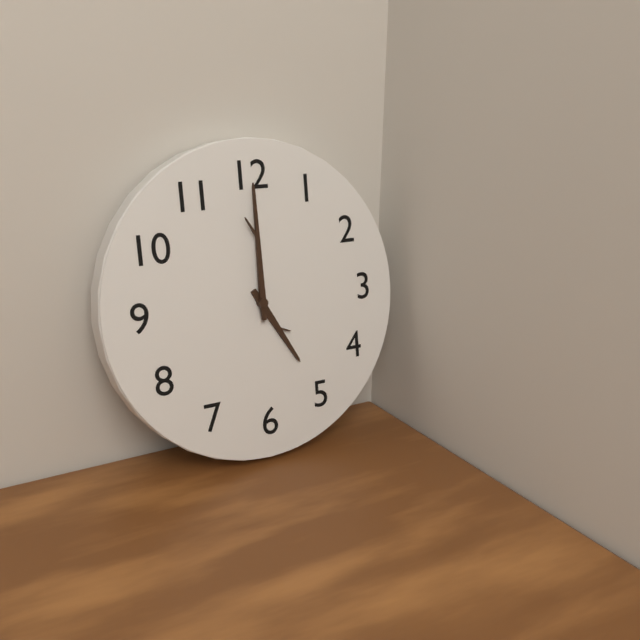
5:00
